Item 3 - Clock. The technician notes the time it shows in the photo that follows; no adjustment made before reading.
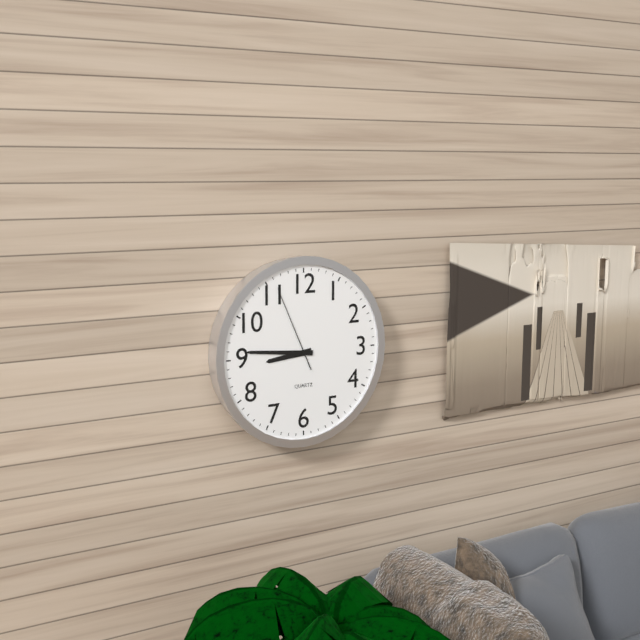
8:46:56
